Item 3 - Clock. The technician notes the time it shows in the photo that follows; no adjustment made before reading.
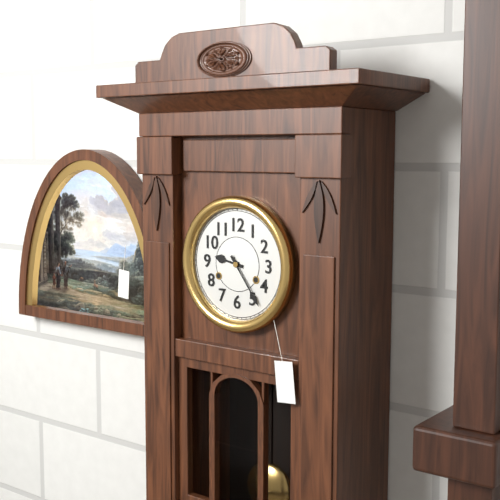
9:24
